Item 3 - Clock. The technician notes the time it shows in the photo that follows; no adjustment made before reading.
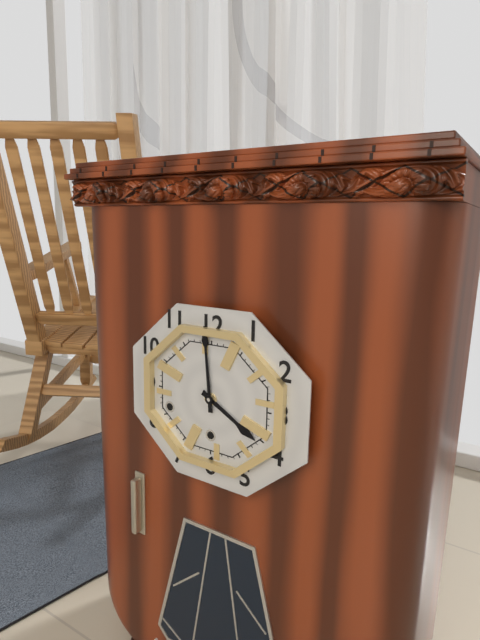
3:59
